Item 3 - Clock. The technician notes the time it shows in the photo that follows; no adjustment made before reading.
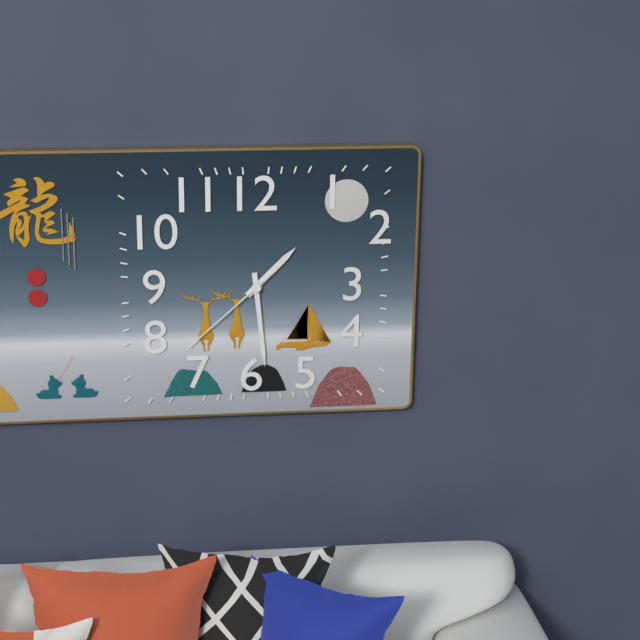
1:29:38
